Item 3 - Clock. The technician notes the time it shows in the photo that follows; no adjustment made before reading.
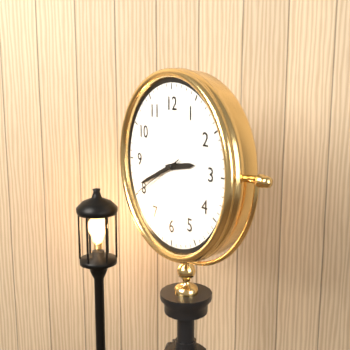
2:41
